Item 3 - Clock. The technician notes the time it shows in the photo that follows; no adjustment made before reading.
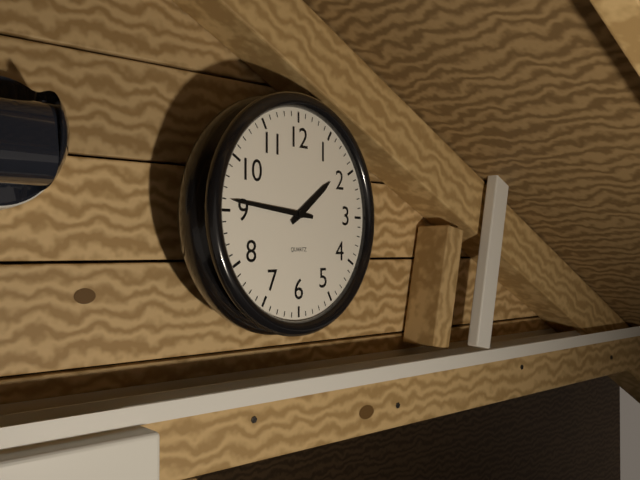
1:46
